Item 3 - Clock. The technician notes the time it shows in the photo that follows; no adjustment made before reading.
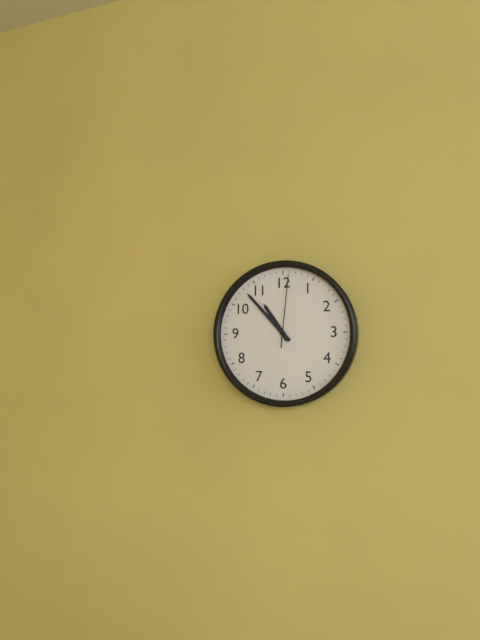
10:53:01
